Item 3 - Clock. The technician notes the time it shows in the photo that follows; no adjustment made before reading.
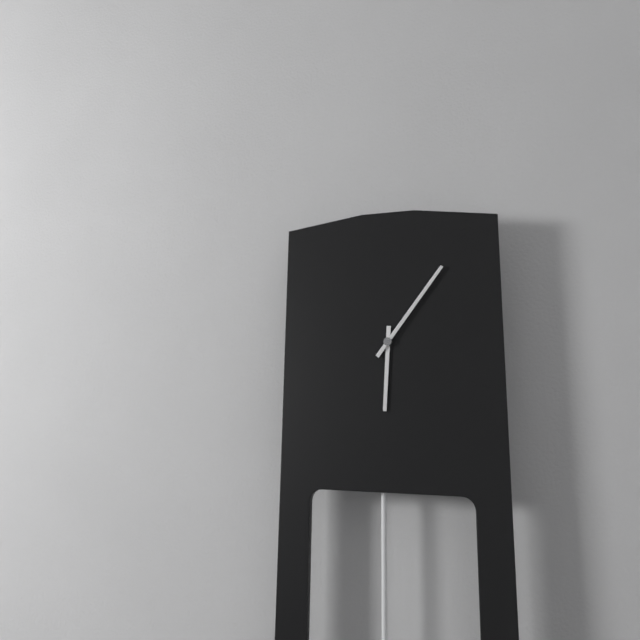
6:06
